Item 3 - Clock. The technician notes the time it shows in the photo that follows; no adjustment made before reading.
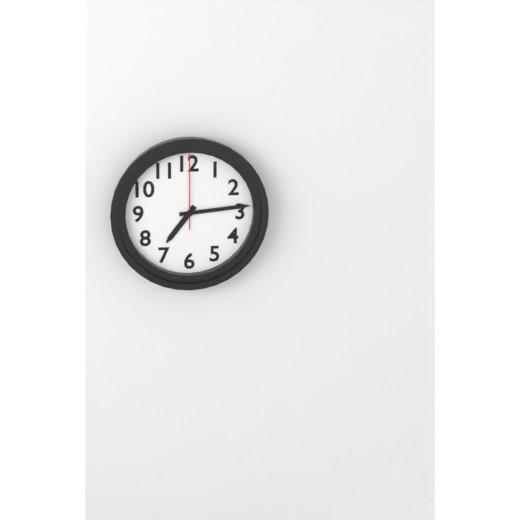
7:14:00
